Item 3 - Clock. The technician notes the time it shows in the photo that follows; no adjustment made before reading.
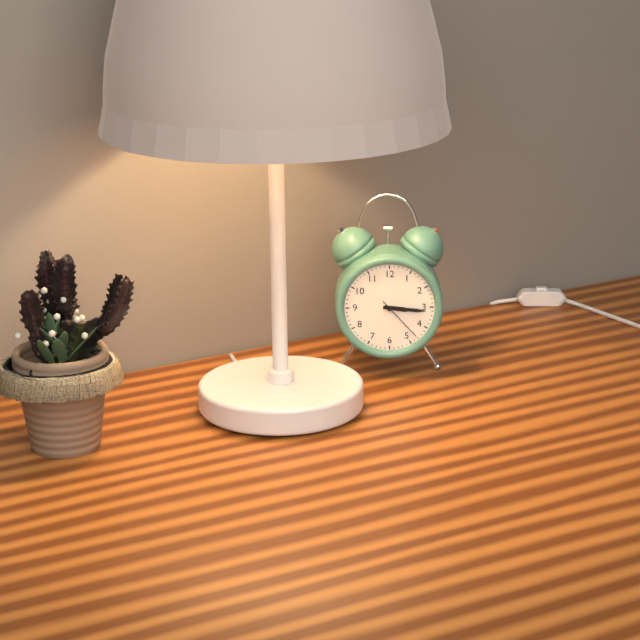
3:16
